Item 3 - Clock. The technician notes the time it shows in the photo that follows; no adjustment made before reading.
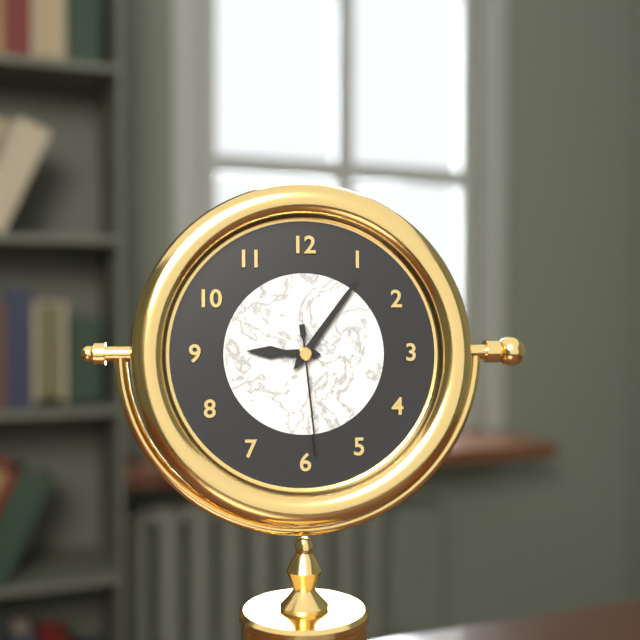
9:06:29
